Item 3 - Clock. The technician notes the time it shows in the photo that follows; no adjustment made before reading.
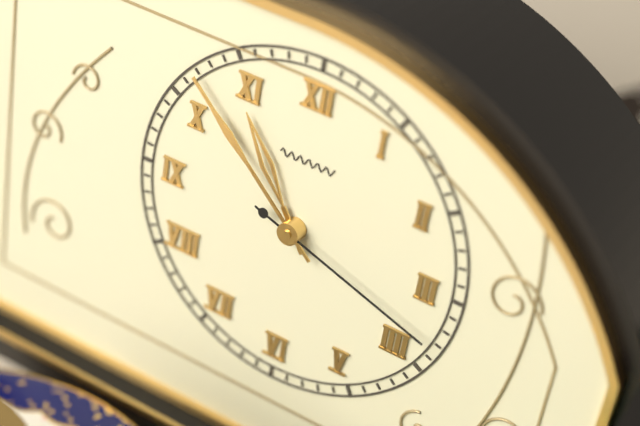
10:52:18
